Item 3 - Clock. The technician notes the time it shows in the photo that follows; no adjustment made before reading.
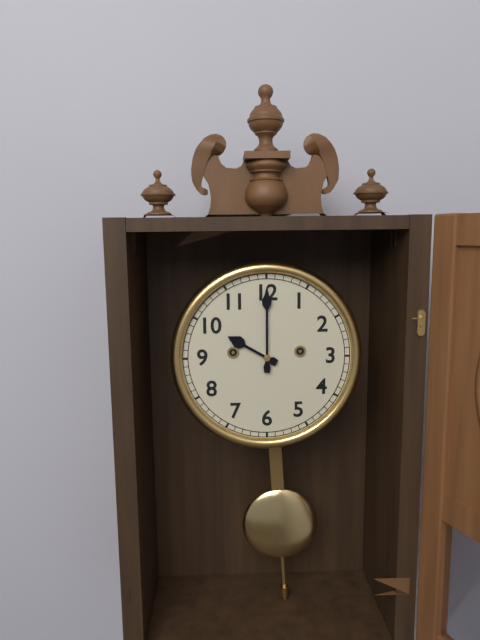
10:00
